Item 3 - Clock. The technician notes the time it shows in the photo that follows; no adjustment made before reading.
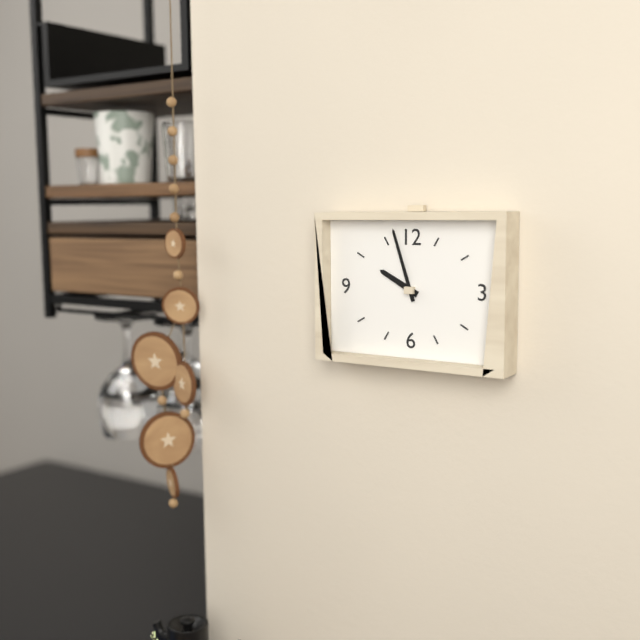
9:57
